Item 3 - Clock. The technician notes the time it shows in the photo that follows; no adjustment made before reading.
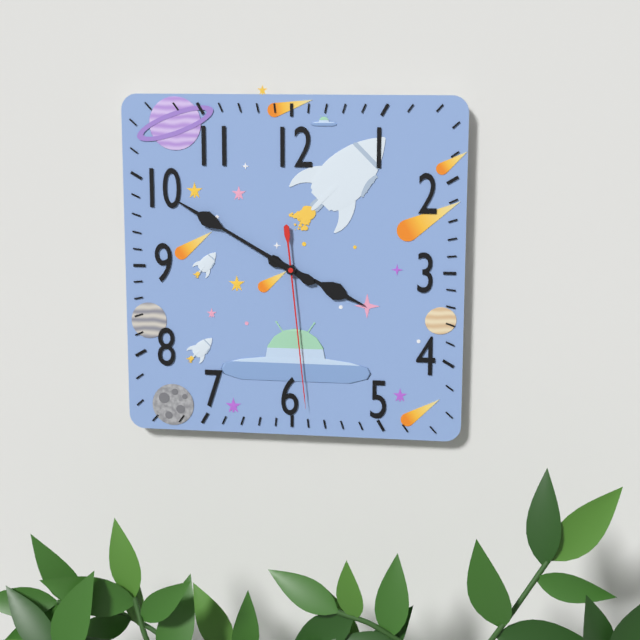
3:50:29
